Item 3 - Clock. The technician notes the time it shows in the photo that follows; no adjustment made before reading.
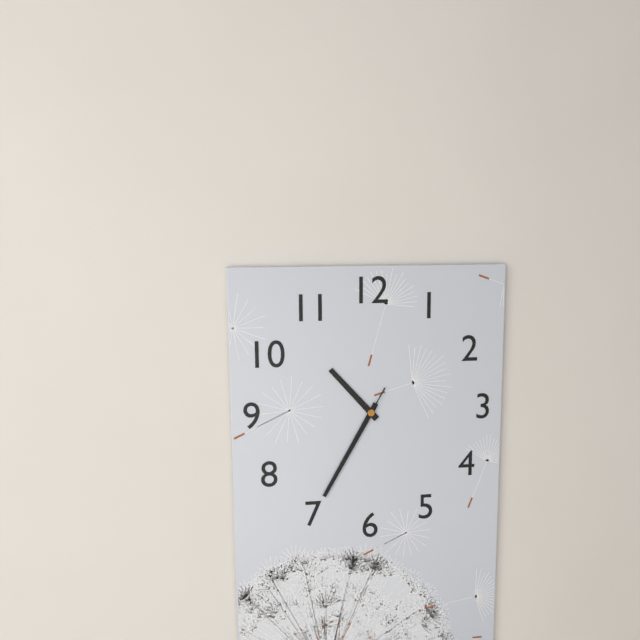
10:35:35
